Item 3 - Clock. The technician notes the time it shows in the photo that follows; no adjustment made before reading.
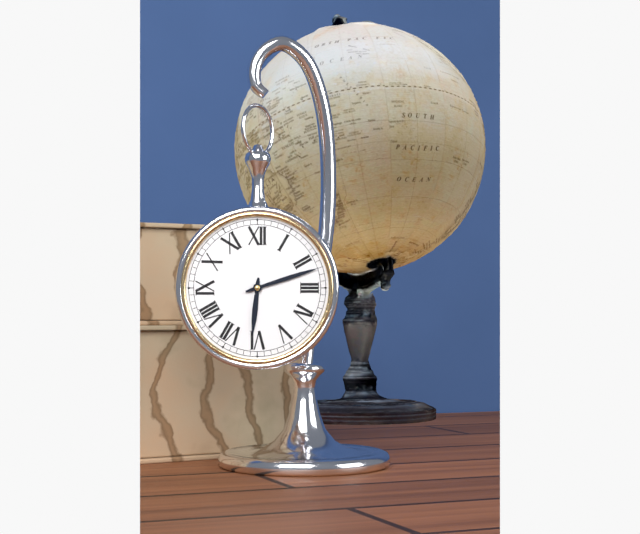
6:12
